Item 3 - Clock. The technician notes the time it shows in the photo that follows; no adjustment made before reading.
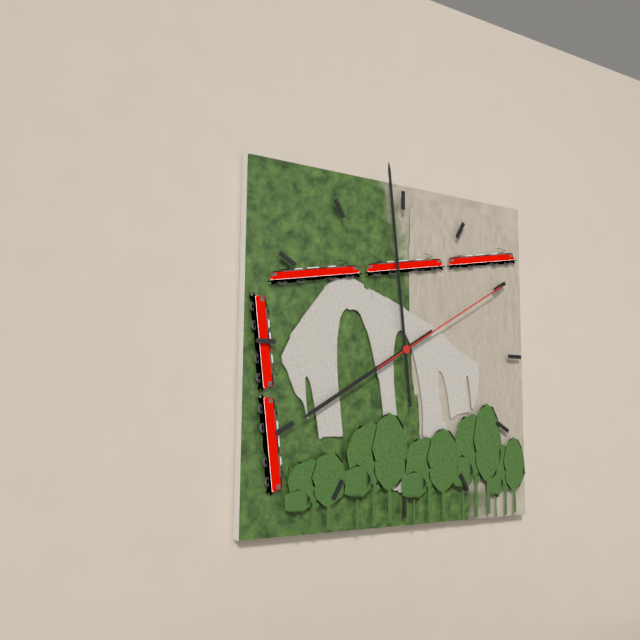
7:59:10
